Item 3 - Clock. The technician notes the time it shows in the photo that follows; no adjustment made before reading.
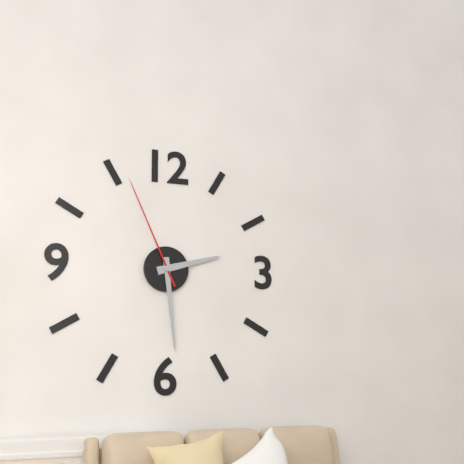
2:29:56
